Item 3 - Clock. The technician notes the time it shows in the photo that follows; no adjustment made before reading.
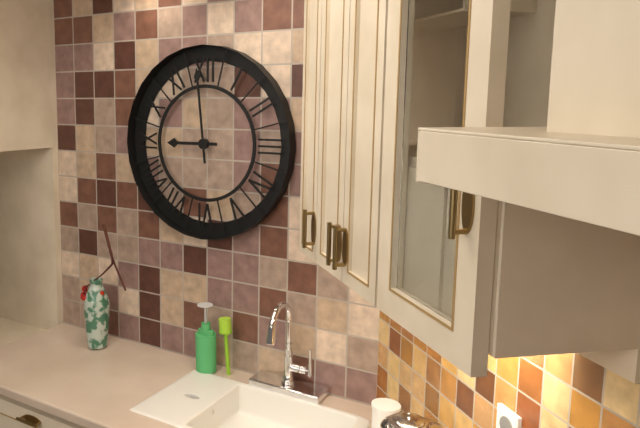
8:59
